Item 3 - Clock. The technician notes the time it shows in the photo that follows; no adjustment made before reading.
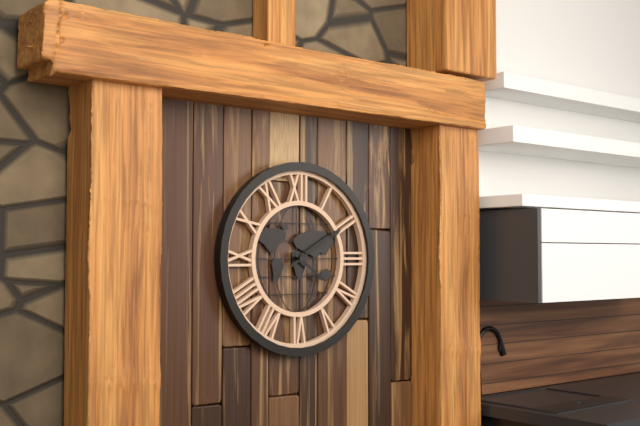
4:10
